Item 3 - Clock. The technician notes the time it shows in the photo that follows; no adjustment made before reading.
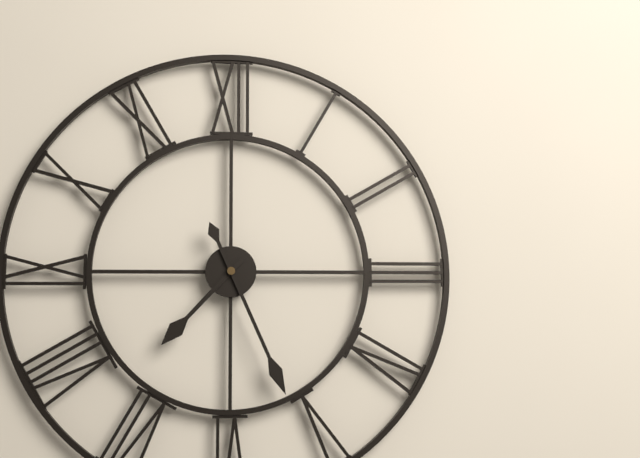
7:26
